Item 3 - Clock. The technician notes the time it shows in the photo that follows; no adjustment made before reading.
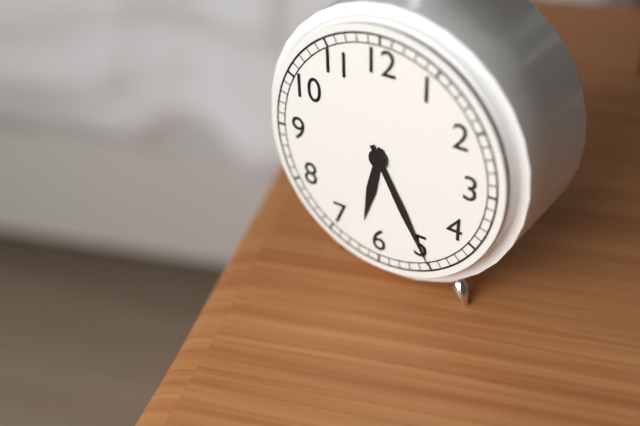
6:25
